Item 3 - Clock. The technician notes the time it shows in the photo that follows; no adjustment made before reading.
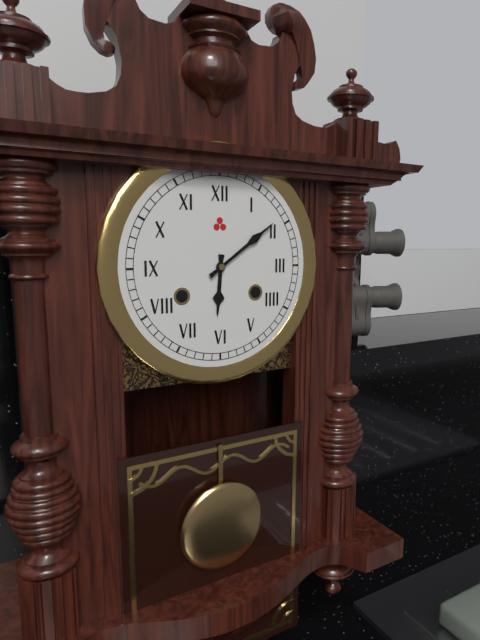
6:09
